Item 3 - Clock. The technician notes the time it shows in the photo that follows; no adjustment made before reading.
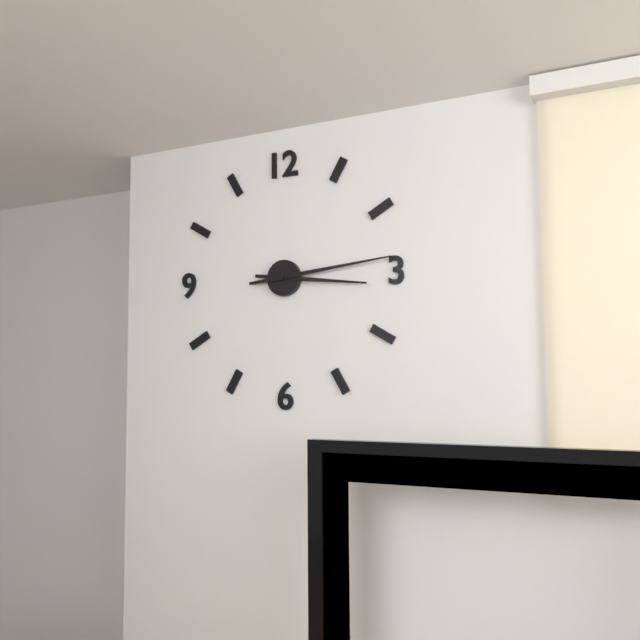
3:14
